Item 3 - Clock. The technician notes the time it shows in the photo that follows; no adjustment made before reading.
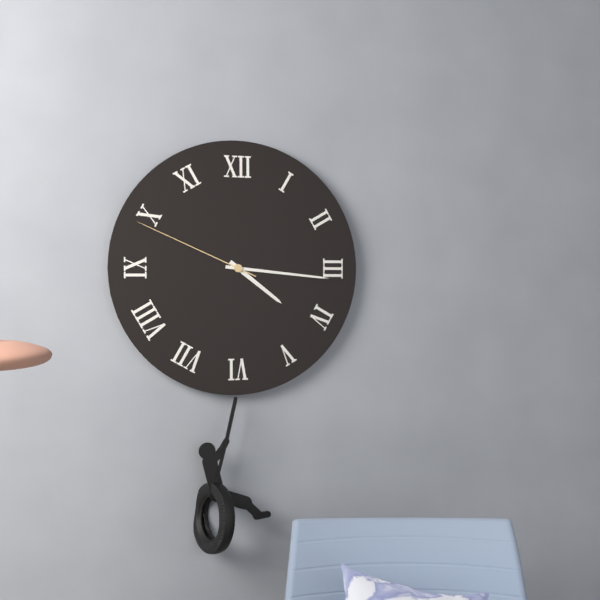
4:16:49
